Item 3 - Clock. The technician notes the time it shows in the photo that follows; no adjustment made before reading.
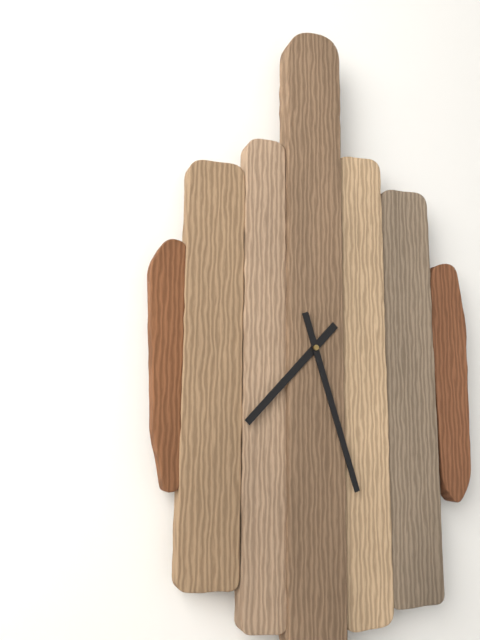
7:27
